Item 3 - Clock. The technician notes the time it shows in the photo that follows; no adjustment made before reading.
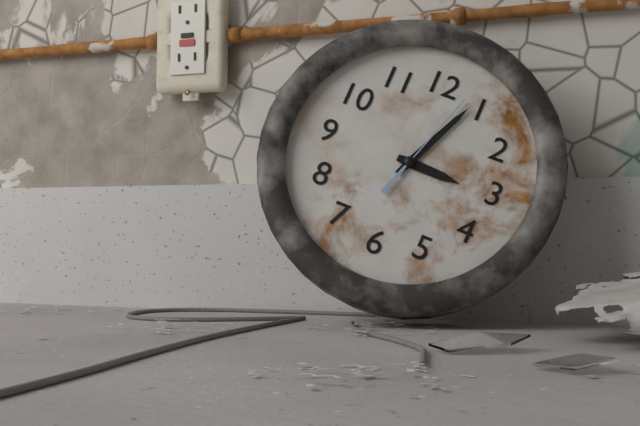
3:04:03
